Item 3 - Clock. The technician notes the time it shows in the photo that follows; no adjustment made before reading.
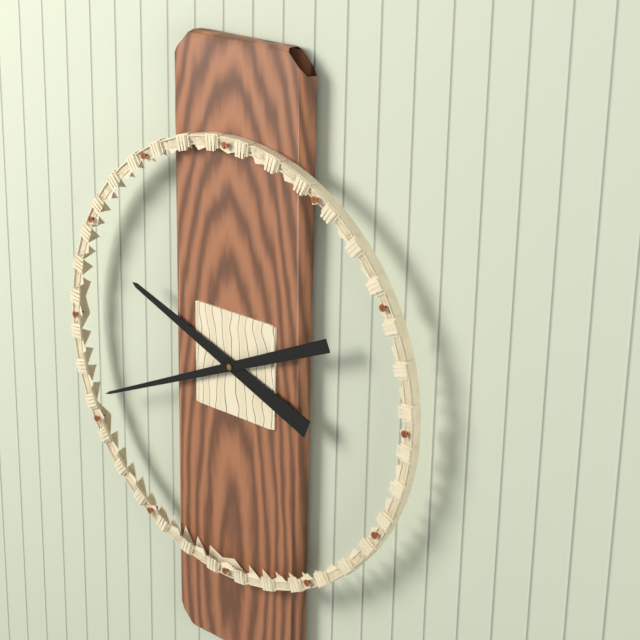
9:41
